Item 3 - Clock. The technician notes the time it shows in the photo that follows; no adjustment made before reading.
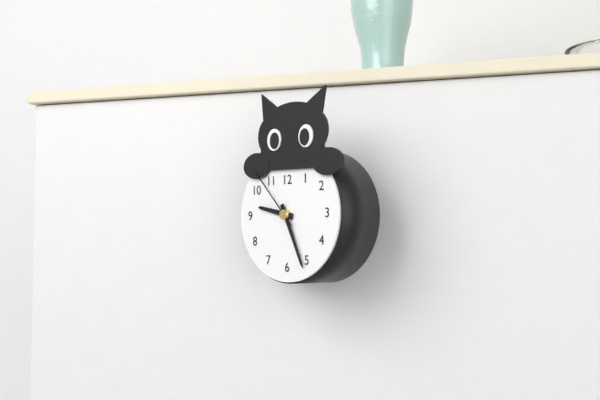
9:26:53
